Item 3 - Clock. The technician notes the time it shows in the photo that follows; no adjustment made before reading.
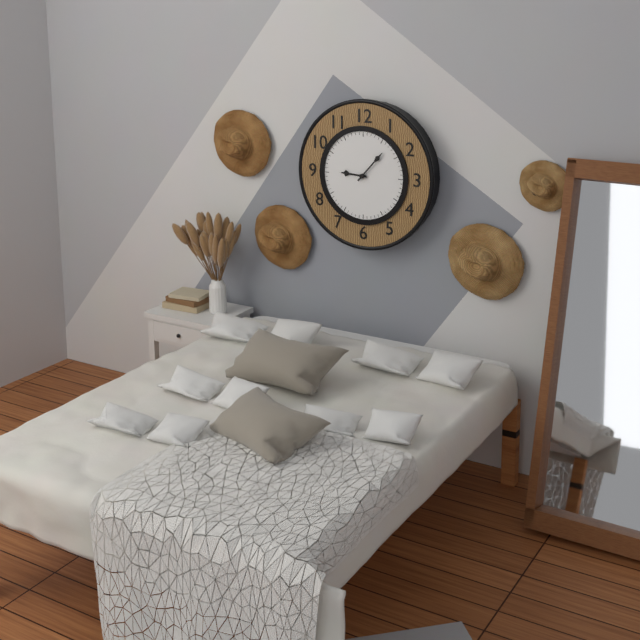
9:07
